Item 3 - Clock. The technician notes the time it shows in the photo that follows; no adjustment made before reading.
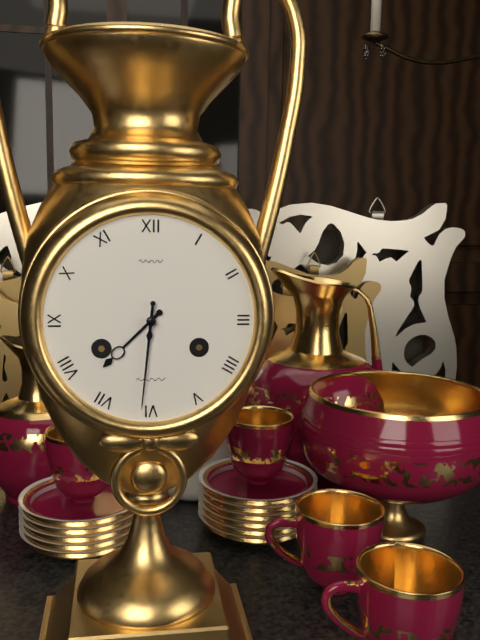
7:31
